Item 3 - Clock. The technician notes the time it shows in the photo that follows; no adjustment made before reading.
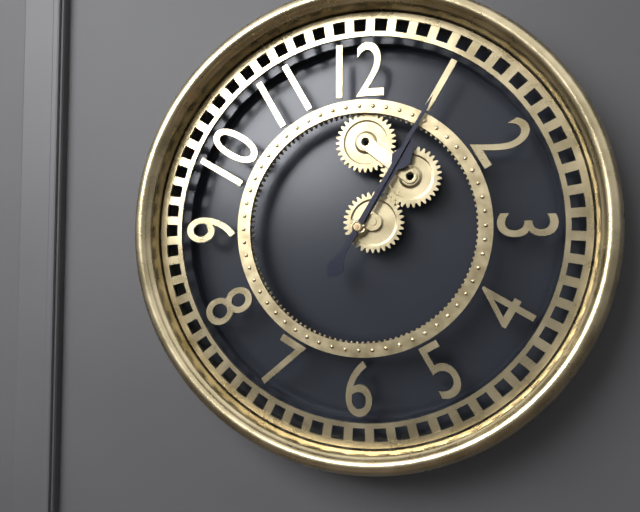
1:05
